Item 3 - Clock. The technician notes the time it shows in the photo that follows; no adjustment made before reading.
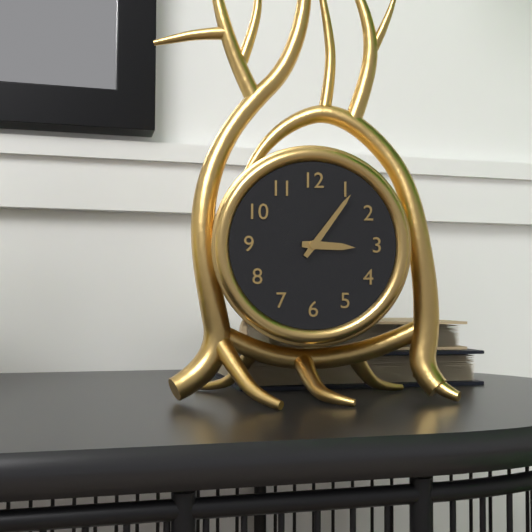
3:06
